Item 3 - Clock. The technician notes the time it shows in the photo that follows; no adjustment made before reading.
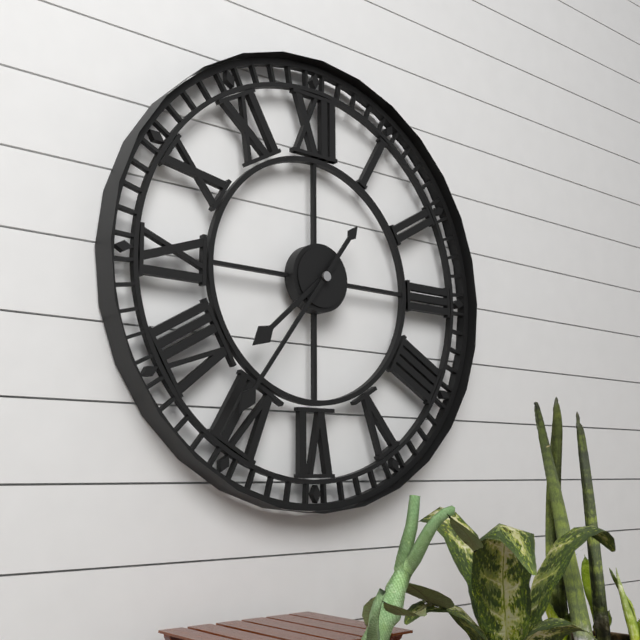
7:36
